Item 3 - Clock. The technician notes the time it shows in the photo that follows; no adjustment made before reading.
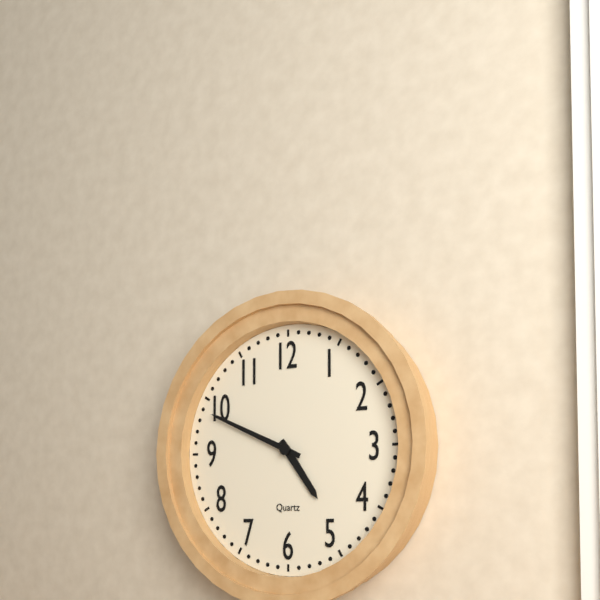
4:49
